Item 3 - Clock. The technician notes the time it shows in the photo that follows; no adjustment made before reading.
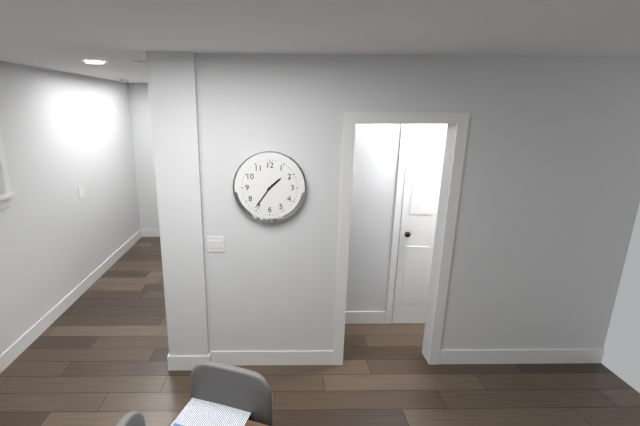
1:36
